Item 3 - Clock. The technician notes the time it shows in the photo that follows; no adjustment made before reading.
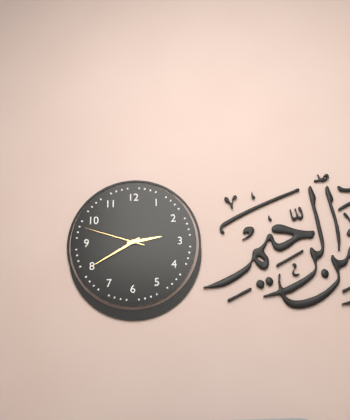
2:40:48
